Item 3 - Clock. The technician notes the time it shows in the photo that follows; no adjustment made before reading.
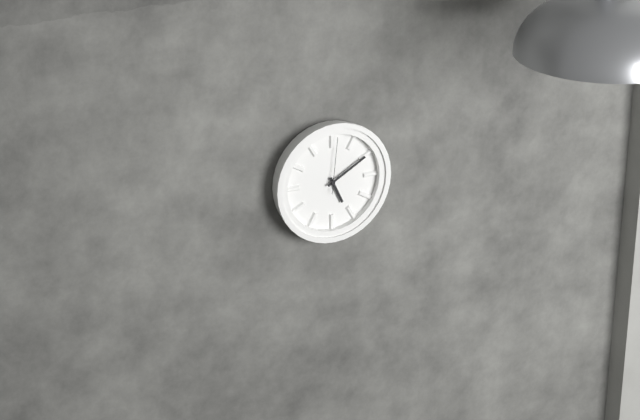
5:10:01
